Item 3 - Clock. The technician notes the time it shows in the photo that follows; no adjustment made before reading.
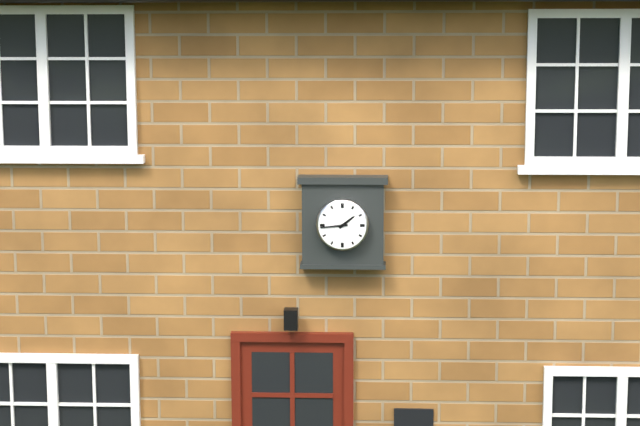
1:44
